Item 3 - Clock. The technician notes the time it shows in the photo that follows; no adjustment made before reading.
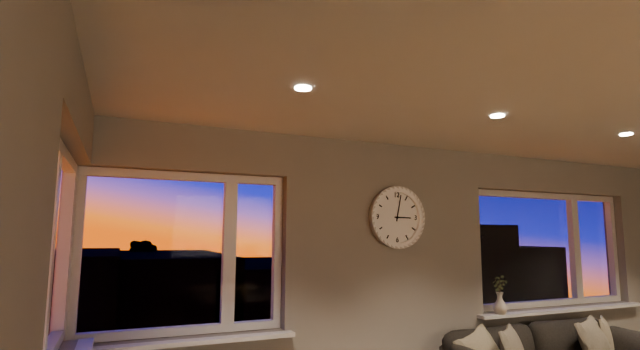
3:02
